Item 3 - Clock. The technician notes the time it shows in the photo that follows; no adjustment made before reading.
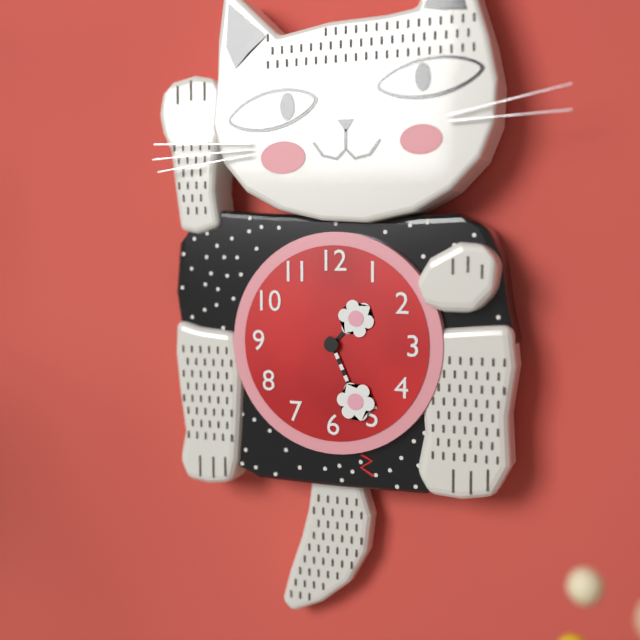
1:26
